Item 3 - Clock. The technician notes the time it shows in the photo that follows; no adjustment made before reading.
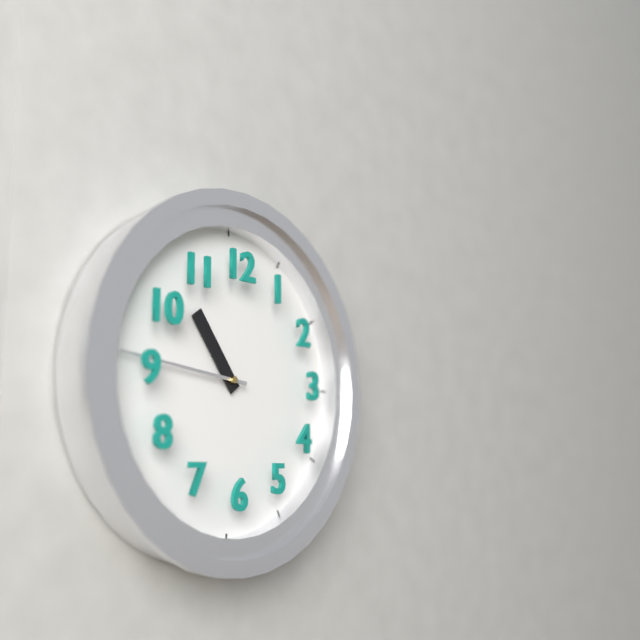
10:46
